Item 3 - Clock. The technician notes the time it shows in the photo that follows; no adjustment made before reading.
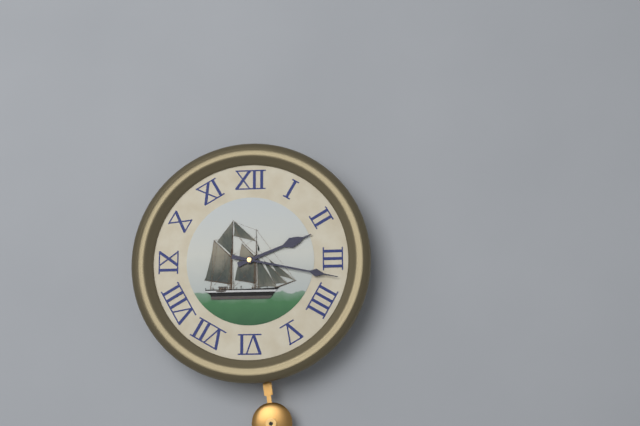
2:17
